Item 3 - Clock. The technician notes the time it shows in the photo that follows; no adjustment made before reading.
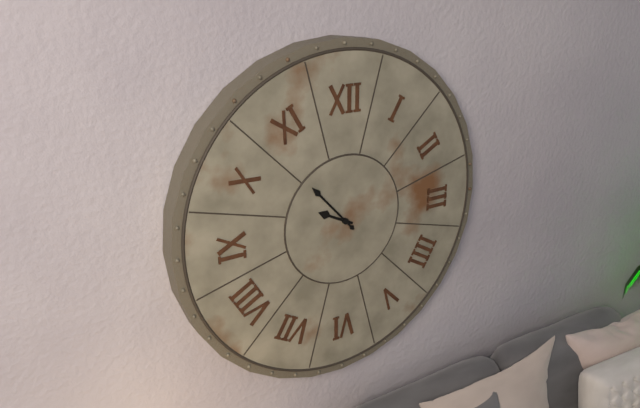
9:53
